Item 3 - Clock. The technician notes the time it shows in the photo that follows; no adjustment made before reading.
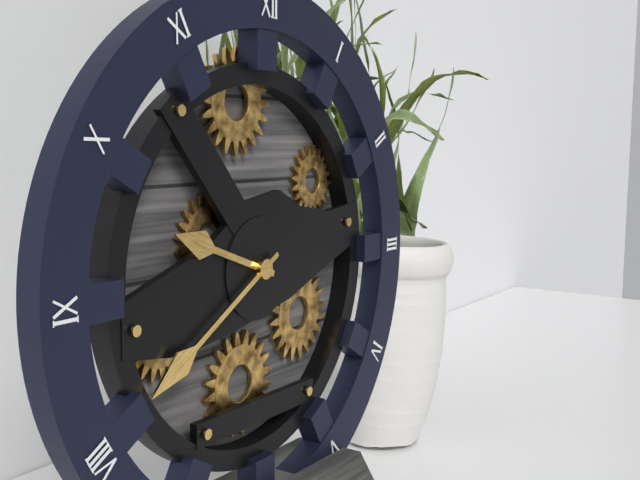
9:40
